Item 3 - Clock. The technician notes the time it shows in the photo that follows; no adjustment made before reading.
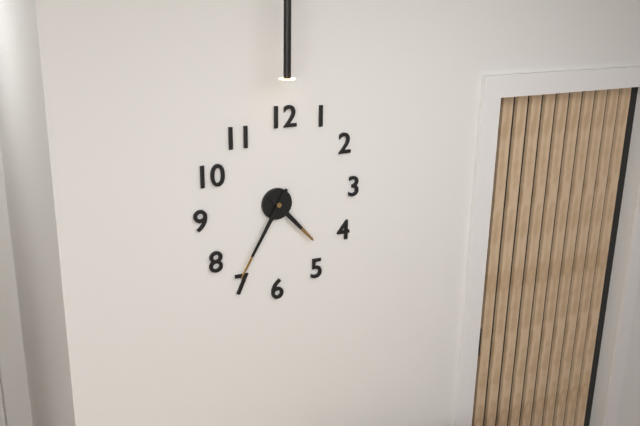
4:35
